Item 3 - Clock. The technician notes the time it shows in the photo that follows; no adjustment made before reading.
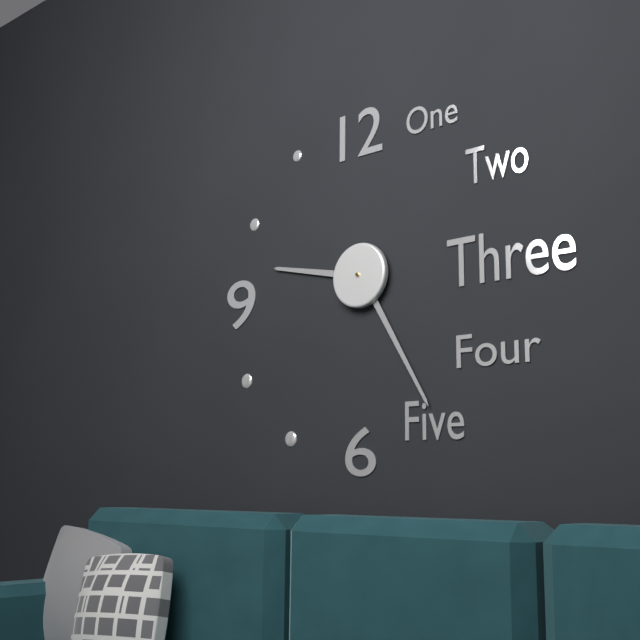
9:25
